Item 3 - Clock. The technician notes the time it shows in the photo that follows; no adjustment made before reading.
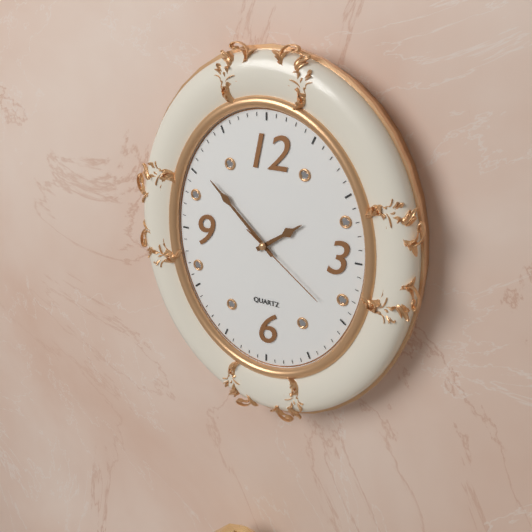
1:52:21
